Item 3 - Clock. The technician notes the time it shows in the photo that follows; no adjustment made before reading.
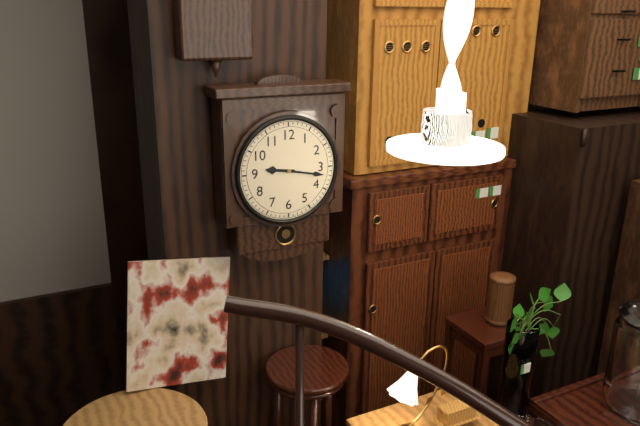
9:17
